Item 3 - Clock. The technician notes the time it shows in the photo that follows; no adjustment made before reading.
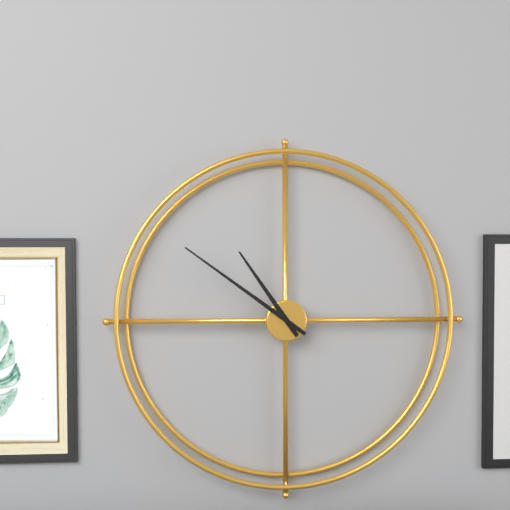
10:51
